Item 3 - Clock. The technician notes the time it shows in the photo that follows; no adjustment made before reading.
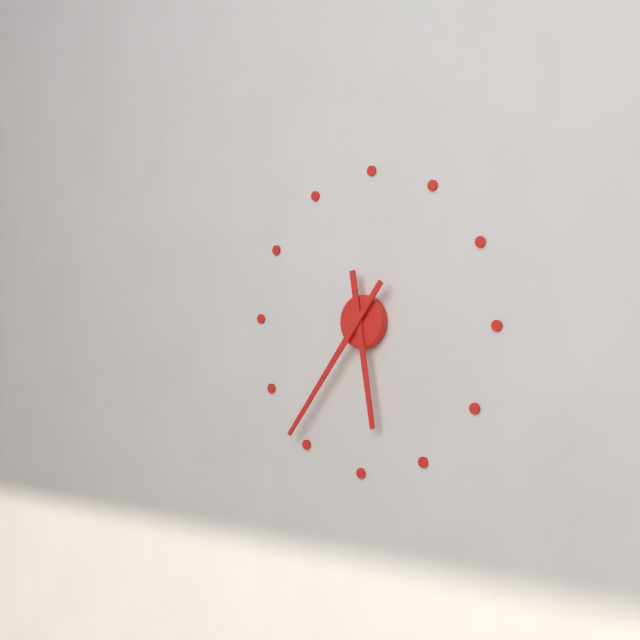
5:36
